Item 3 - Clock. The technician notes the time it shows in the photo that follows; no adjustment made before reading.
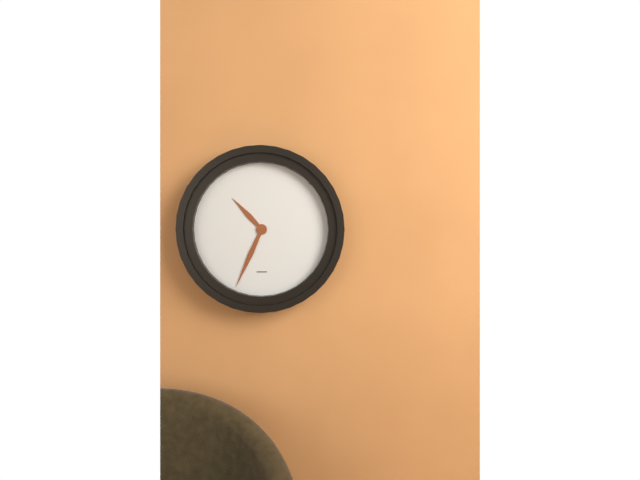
10:34
